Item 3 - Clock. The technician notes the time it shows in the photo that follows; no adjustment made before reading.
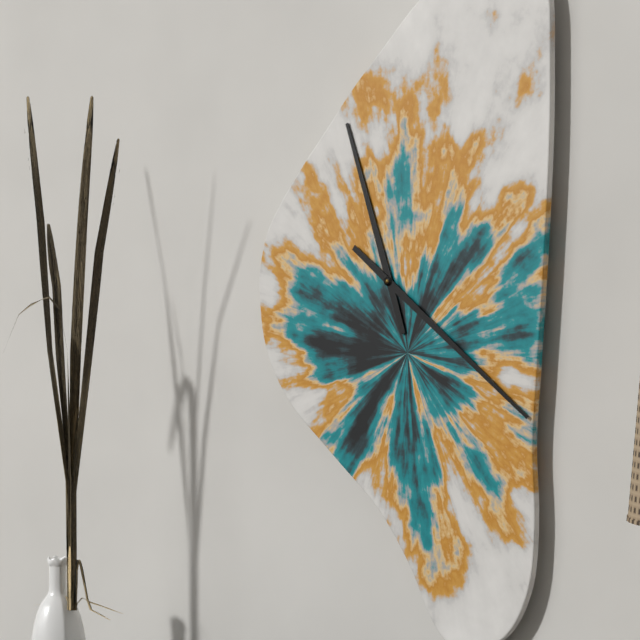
11:21
